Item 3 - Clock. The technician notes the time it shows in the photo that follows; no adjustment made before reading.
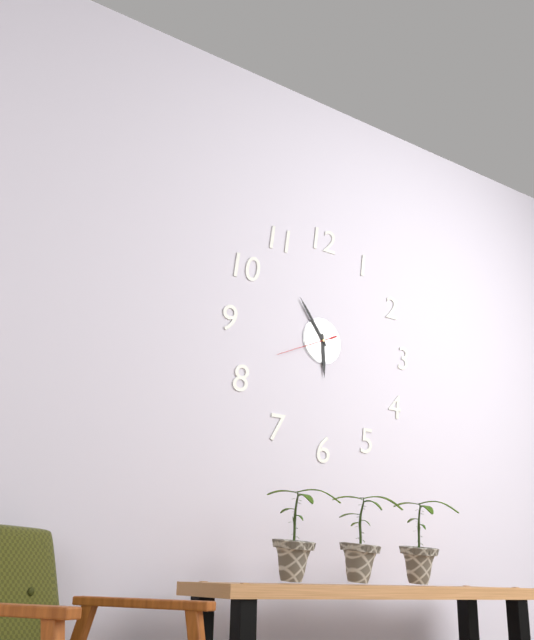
5:54:41
